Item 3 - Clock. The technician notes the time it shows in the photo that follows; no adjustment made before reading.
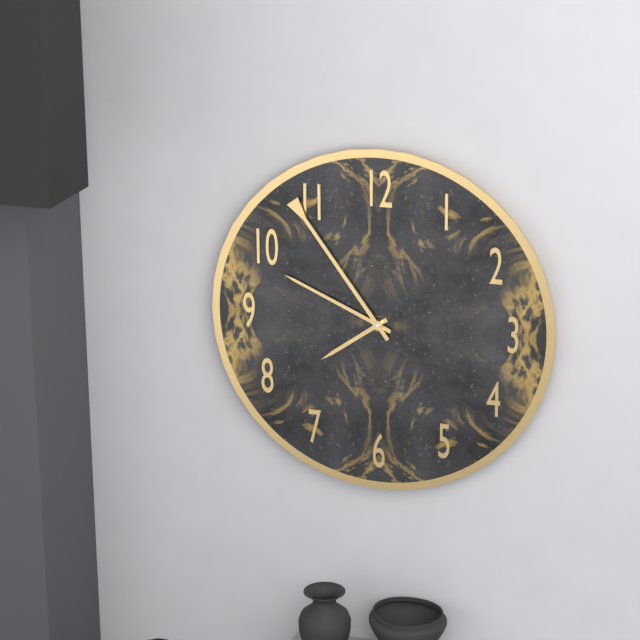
7:49:54
